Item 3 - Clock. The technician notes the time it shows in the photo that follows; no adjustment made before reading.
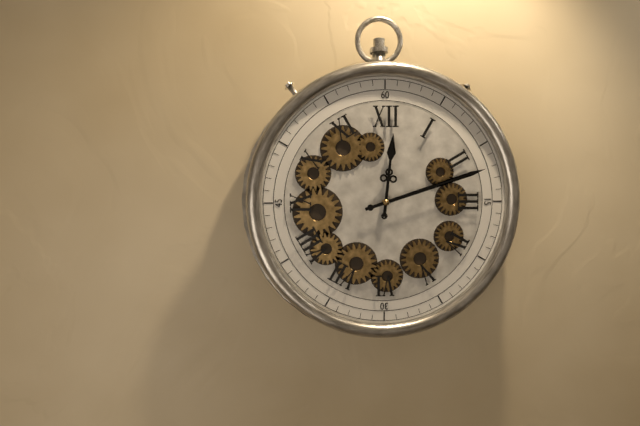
12:12
